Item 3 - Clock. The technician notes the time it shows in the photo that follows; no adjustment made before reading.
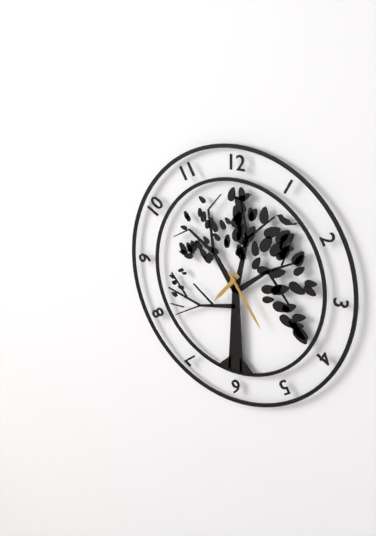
7:24
